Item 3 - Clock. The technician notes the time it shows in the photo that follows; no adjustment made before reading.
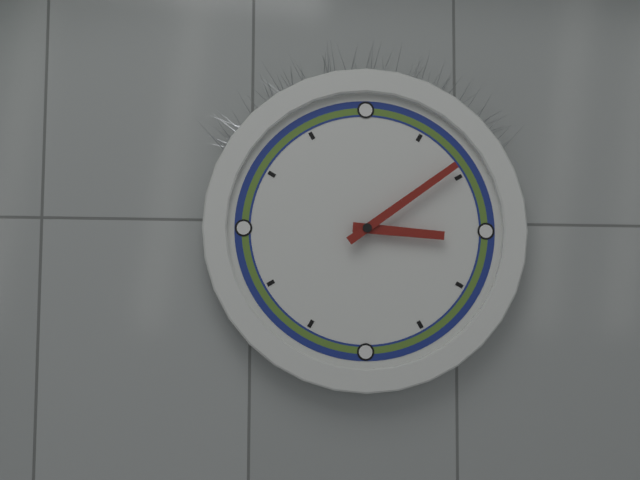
3:09
